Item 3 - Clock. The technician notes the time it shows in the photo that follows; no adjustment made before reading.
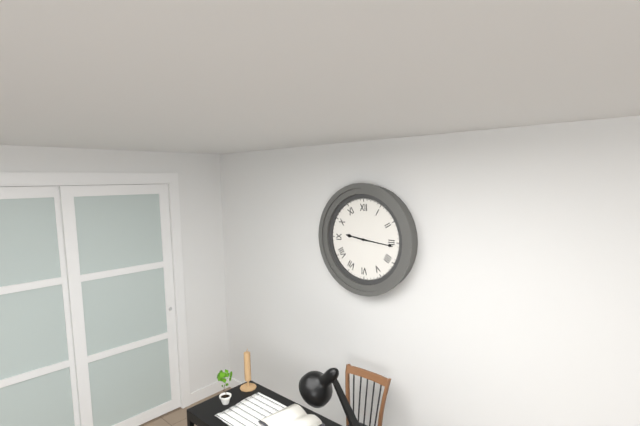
9:16
